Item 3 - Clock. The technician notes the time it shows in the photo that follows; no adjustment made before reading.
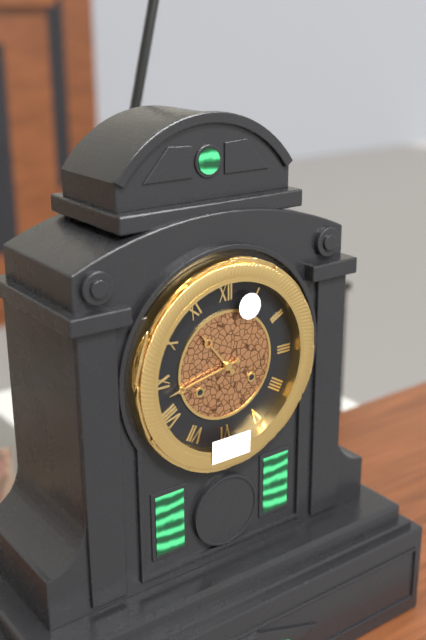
10:43
